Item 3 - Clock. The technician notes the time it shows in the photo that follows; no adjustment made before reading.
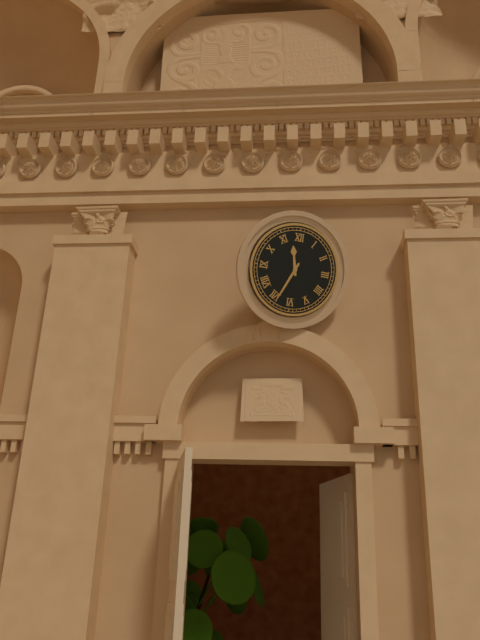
11:34
